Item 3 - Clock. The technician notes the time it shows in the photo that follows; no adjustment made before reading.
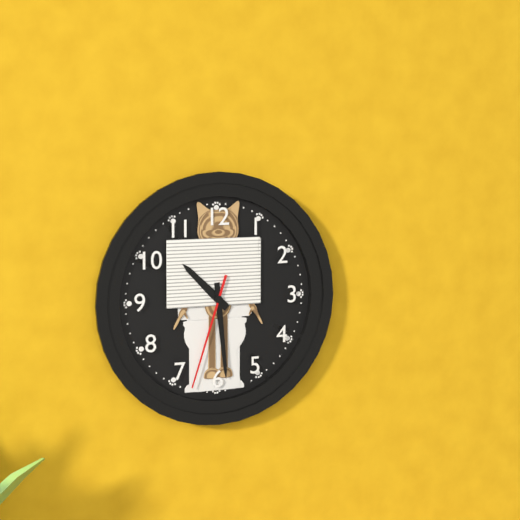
10:29:33
